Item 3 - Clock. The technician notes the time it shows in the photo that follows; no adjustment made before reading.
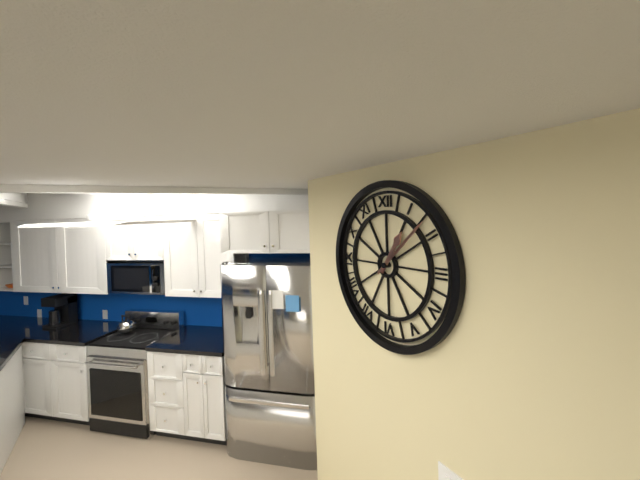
1:08
